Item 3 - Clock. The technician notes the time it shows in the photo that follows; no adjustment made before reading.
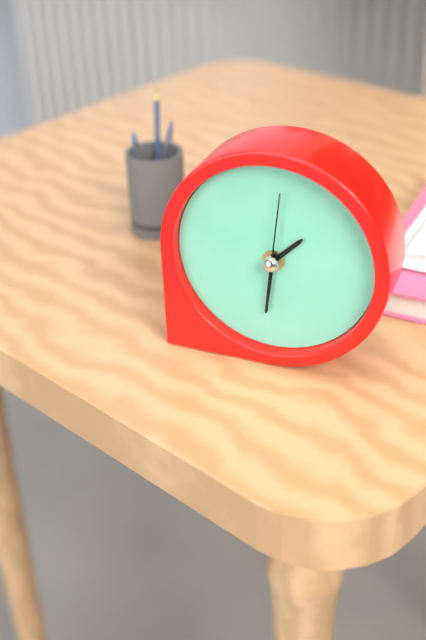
1:31:01
